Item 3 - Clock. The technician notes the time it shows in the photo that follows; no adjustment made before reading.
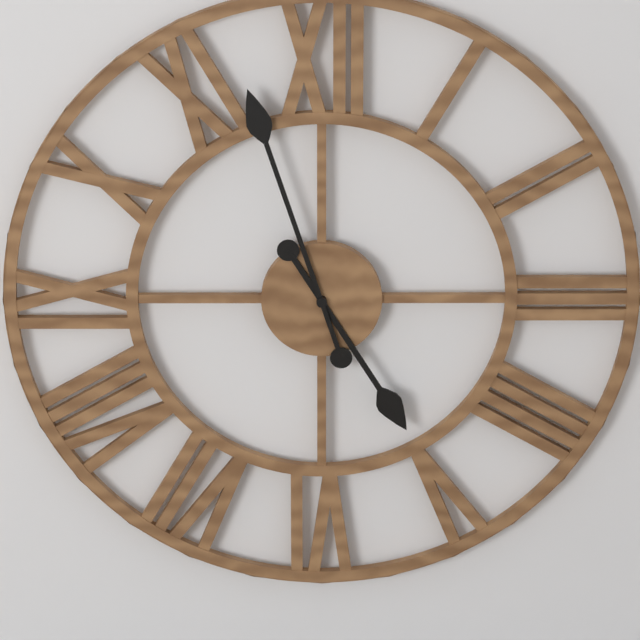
4:57
